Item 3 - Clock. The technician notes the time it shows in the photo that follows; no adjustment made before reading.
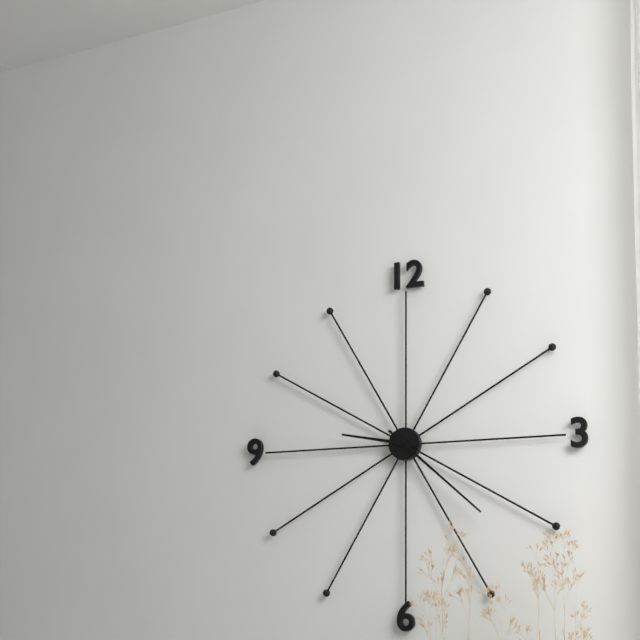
9:22
